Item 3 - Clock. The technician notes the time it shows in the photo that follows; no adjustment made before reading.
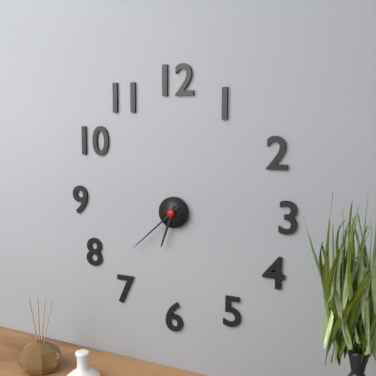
6:38
